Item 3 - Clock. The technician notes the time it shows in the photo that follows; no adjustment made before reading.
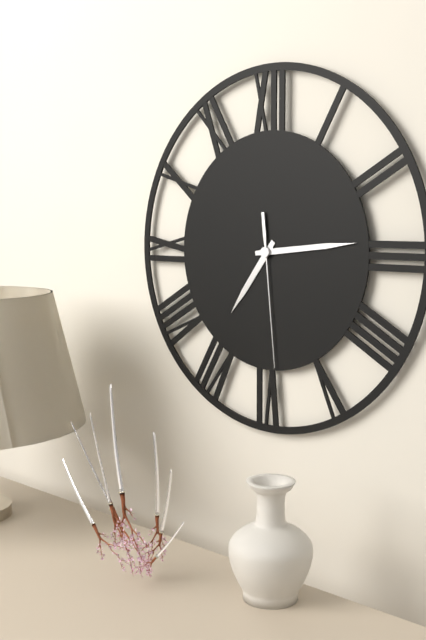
7:14:29
